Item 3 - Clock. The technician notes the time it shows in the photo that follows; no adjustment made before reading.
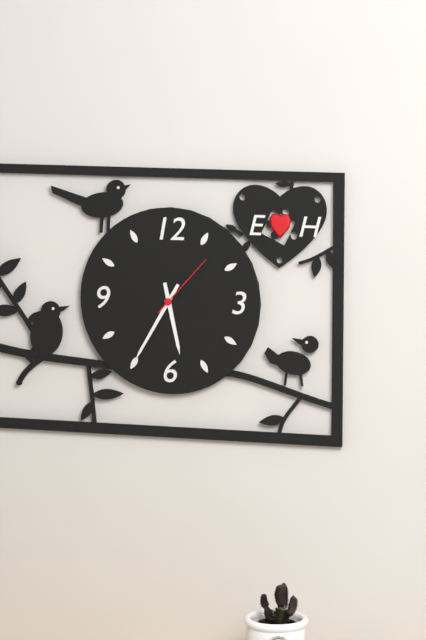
5:35:07
